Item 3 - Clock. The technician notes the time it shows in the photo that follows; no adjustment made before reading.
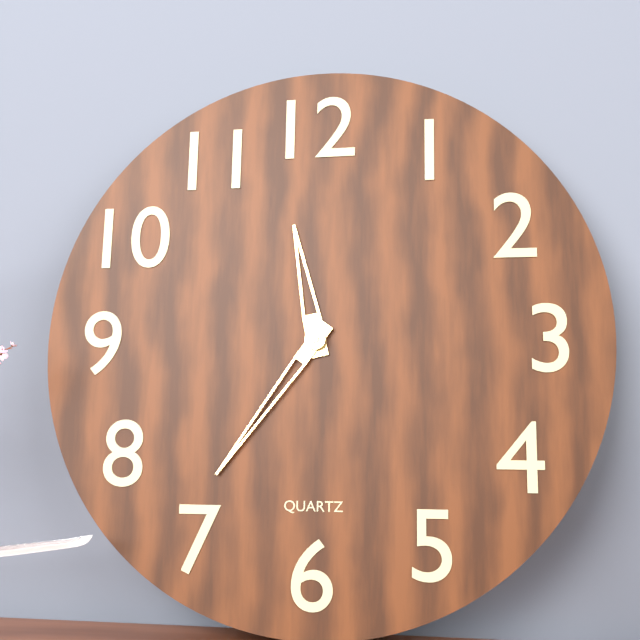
11:36
